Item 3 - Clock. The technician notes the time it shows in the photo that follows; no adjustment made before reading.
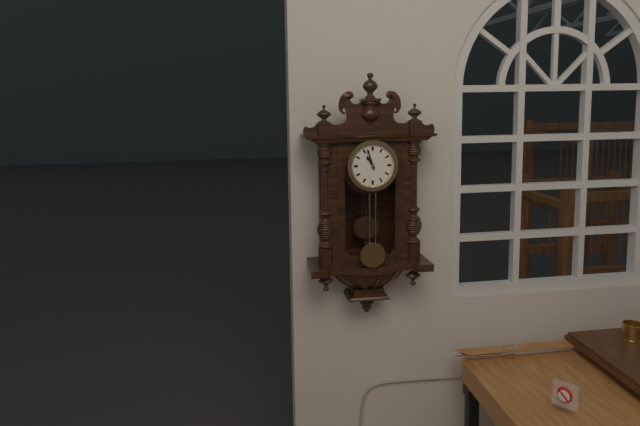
10:57
